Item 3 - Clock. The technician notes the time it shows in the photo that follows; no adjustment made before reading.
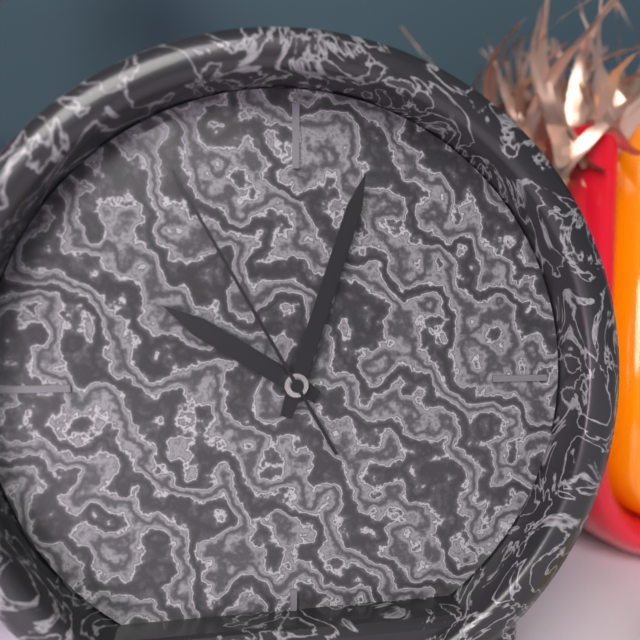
10:03:55
